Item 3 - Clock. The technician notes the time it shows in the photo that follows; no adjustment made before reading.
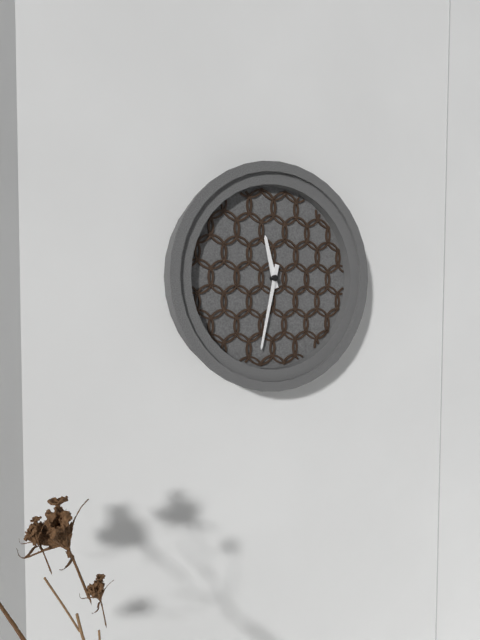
11:32
